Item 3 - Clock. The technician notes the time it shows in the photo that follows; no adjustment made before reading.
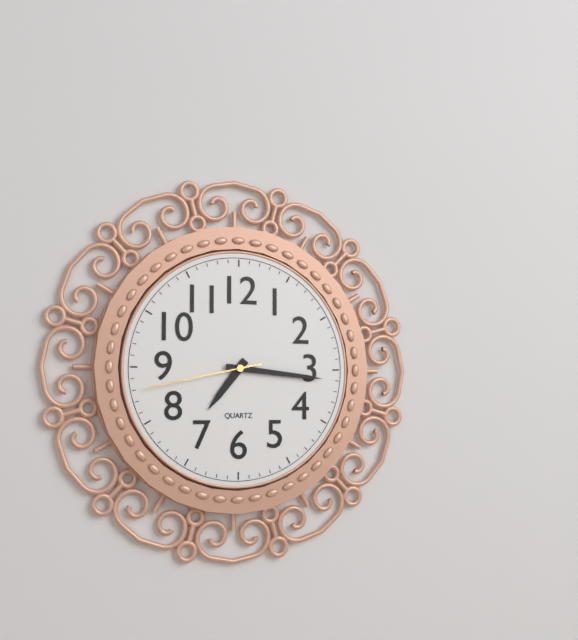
7:16:43
